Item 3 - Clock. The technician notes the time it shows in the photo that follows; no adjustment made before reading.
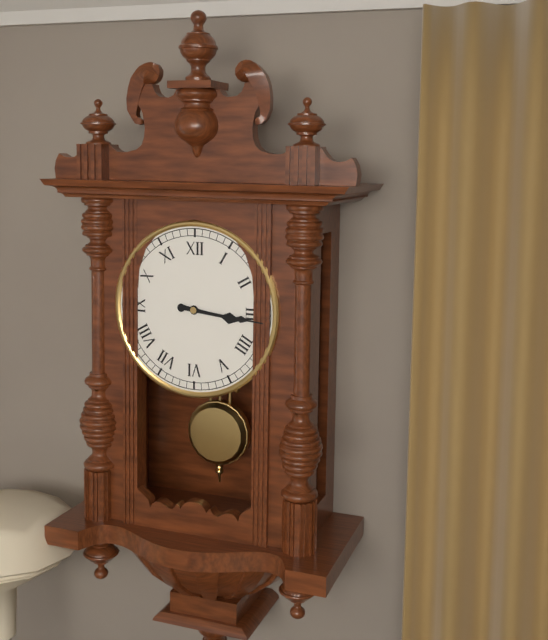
3:16
